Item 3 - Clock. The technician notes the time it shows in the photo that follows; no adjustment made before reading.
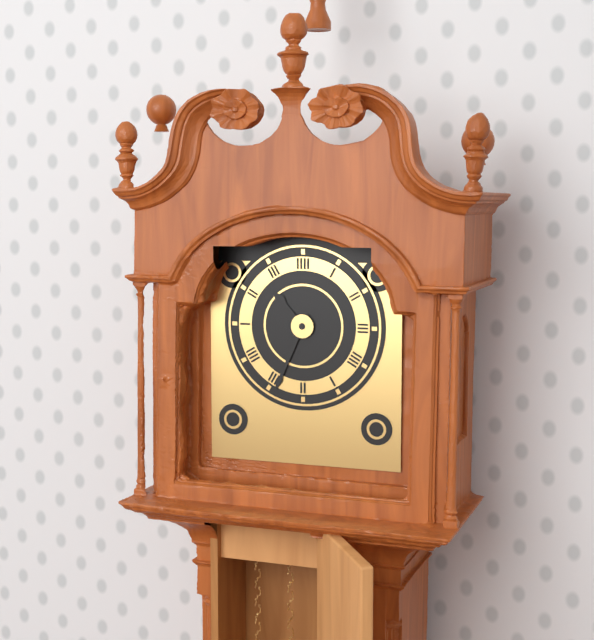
10:34
